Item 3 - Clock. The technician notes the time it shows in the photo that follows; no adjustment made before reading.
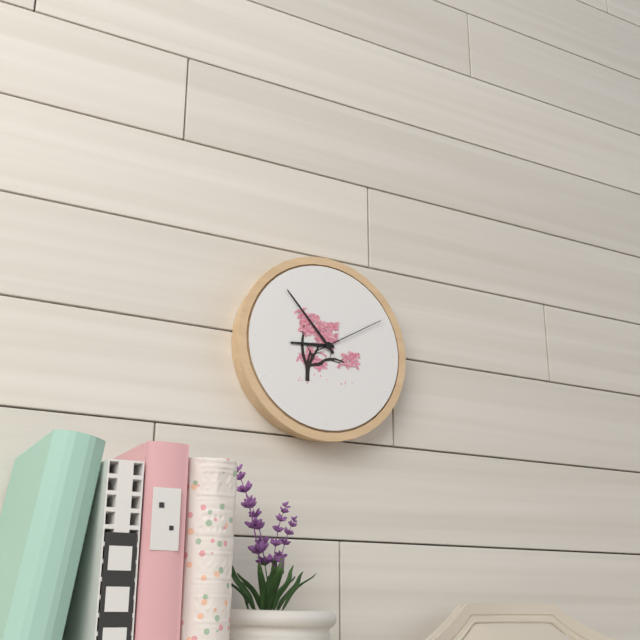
8:53:10
